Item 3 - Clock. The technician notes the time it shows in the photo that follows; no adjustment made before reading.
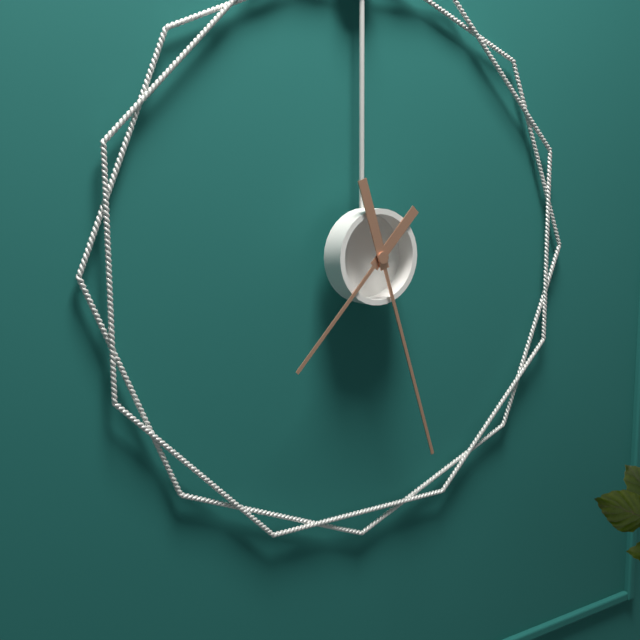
7:27
